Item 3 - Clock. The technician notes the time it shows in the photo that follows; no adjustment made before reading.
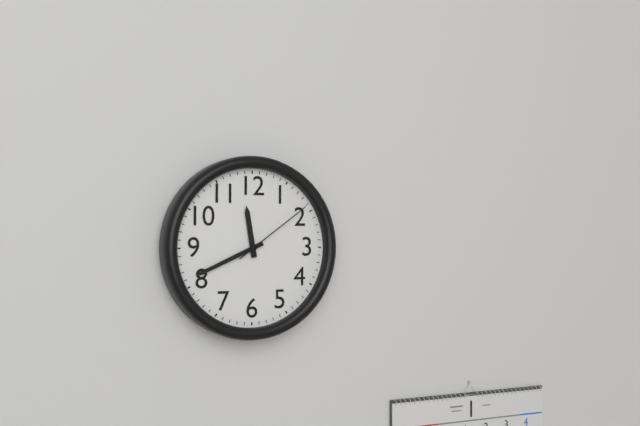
11:41:09
